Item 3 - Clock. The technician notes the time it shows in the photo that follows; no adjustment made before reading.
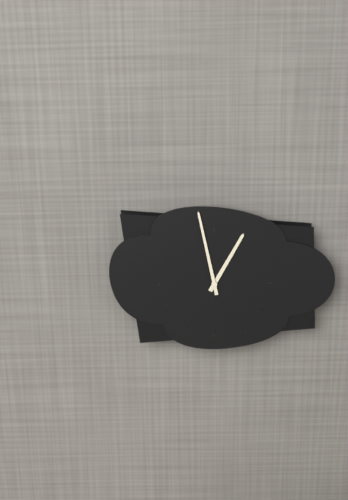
12:58
